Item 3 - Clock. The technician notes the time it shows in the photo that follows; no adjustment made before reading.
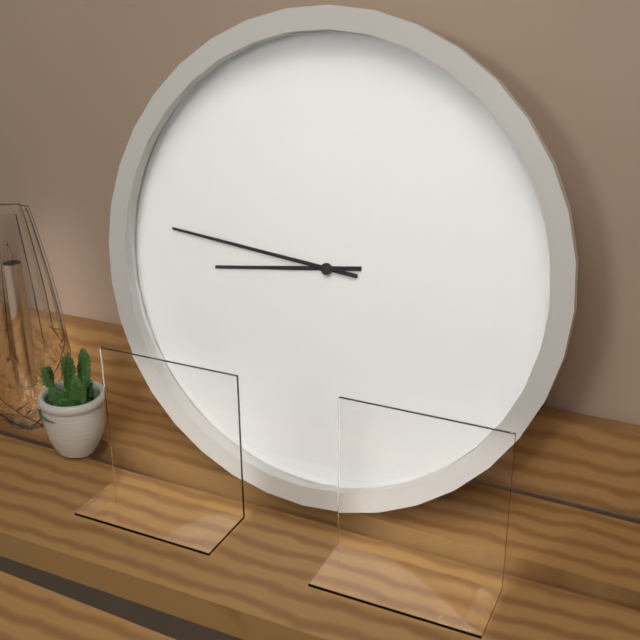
8:46
